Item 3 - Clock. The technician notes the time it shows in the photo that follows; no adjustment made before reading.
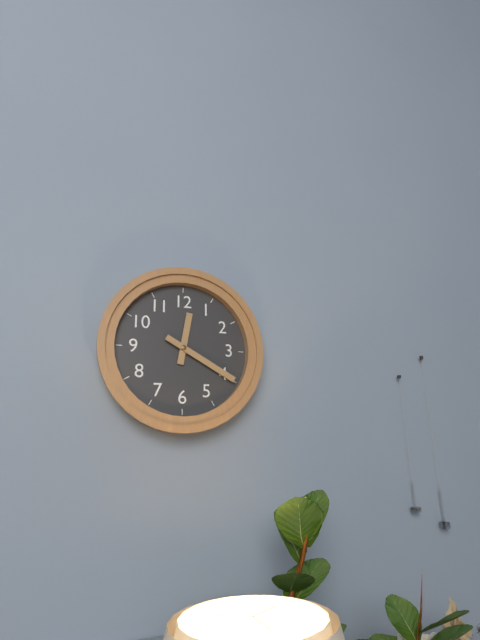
12:20
